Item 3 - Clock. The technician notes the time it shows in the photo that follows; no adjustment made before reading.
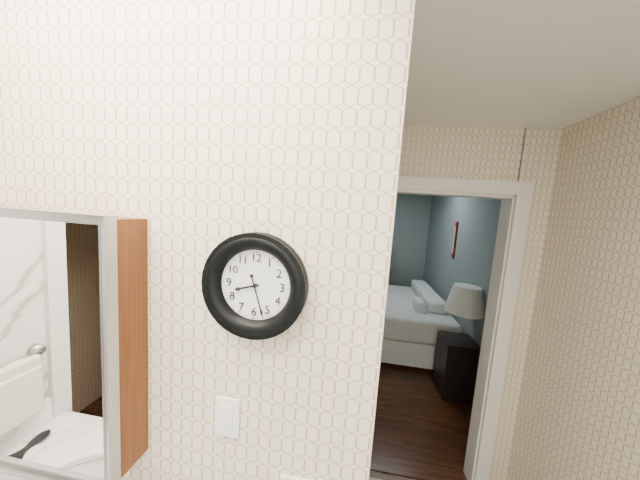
8:27
